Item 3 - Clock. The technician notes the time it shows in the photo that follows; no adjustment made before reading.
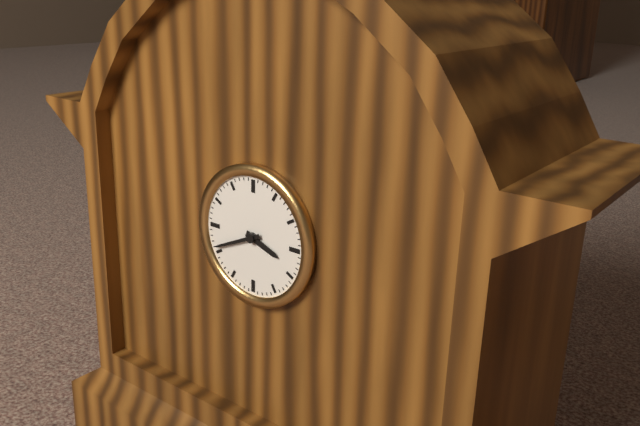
3:41
